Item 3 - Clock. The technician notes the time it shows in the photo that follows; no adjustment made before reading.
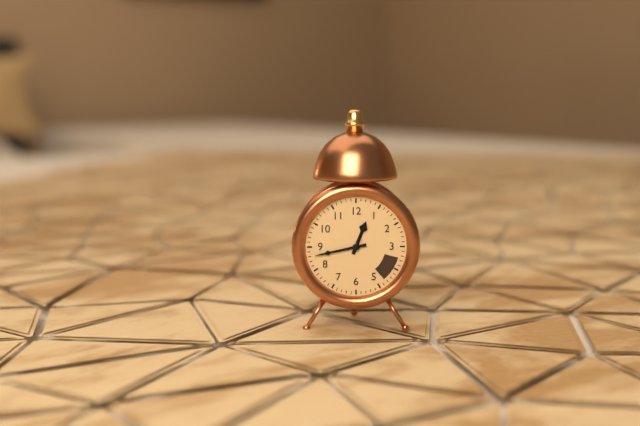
12:43
